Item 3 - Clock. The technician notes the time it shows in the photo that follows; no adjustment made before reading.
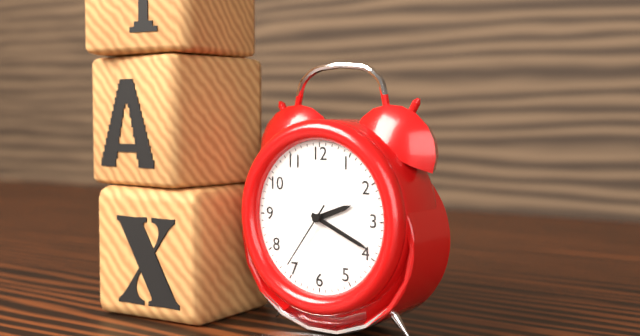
2:19:36
